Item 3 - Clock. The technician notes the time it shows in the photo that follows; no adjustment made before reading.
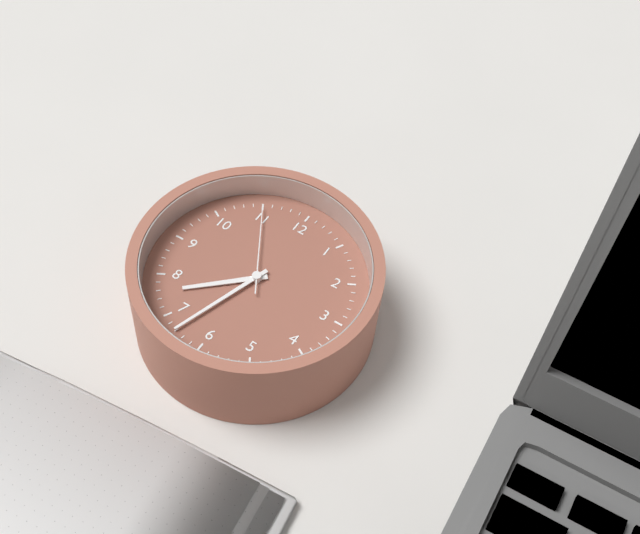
7:33:55
